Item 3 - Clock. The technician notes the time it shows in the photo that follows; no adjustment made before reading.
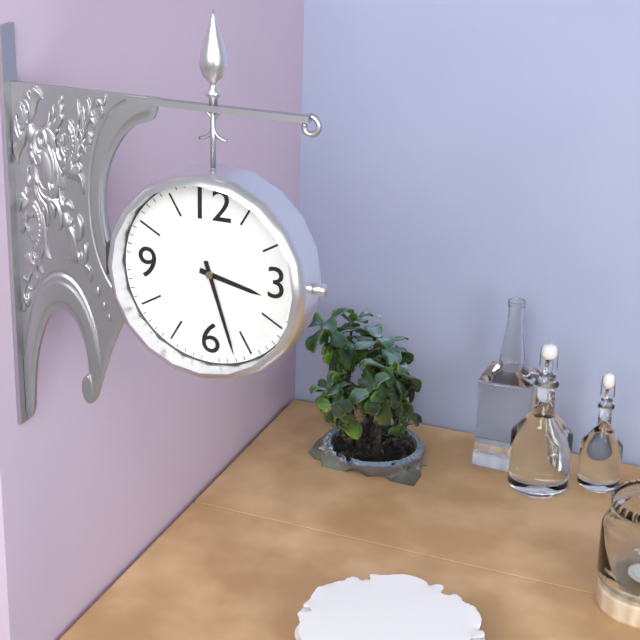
3:27
